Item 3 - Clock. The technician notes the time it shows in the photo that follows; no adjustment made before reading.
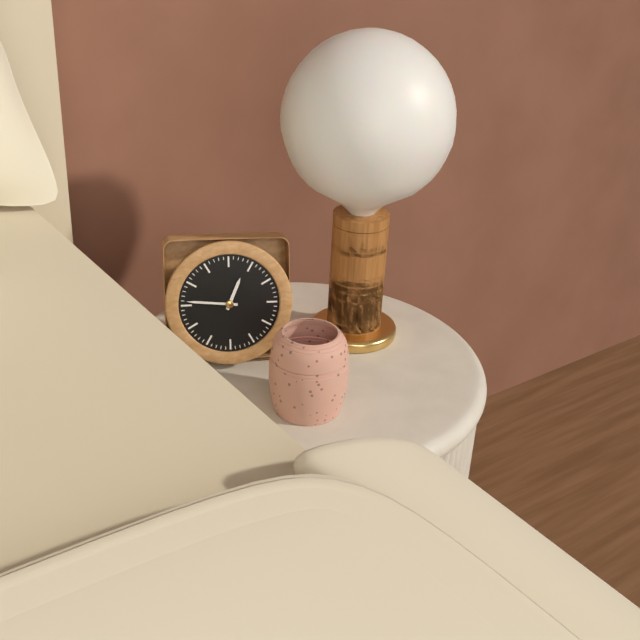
12:46
